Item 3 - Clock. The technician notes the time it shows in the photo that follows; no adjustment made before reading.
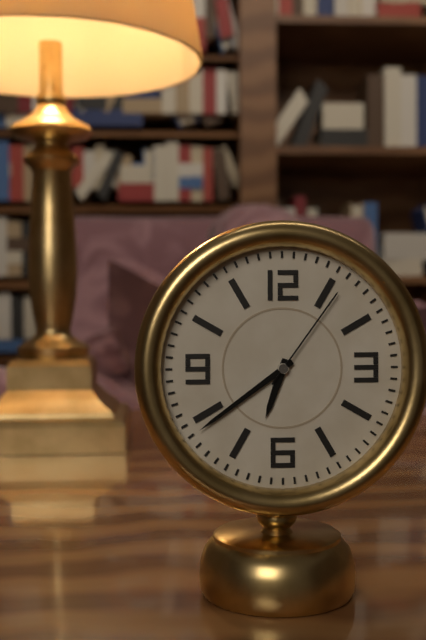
6:39:06
